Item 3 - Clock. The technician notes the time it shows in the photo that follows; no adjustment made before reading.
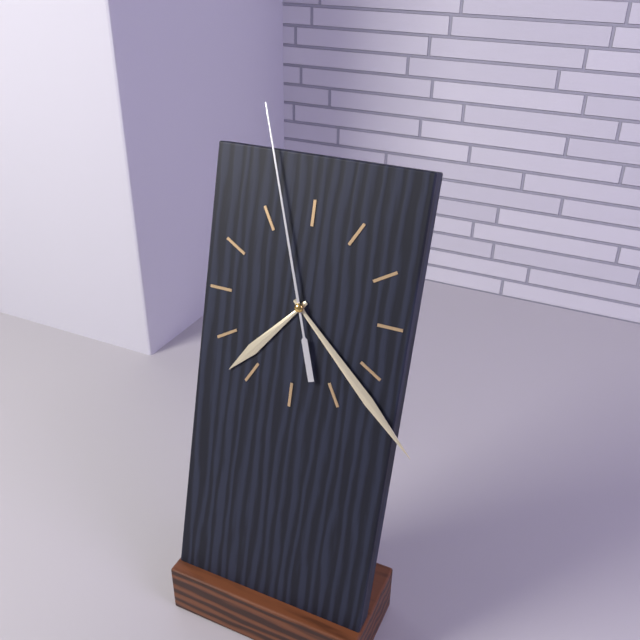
7:22:57
